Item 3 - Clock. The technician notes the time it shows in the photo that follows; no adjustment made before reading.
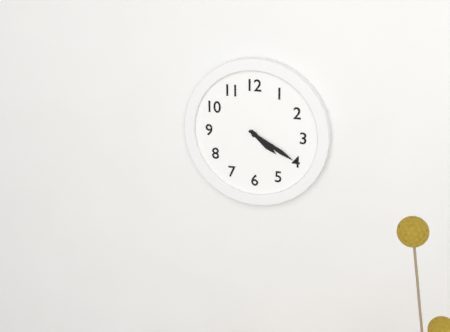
4:20
